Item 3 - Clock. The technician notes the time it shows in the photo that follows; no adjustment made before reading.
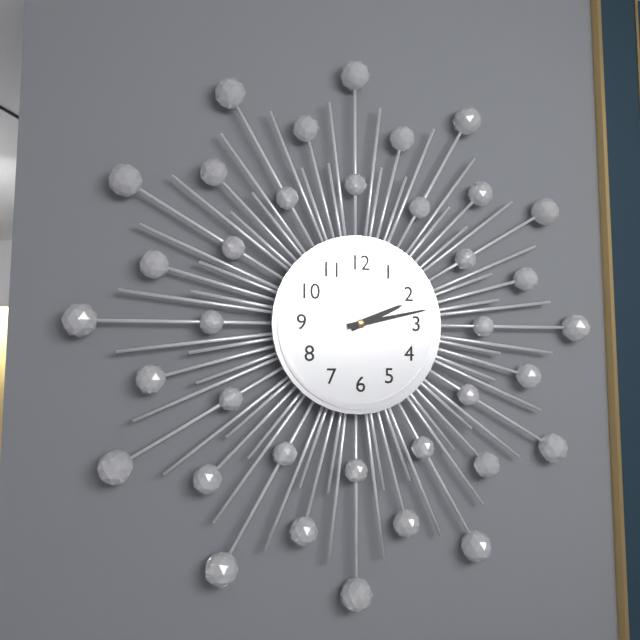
2:13
